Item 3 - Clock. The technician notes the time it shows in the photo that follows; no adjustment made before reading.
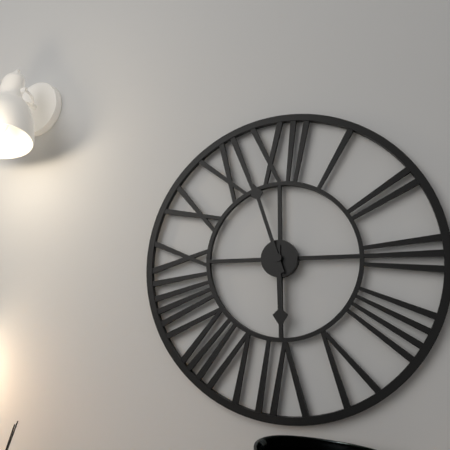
5:57
